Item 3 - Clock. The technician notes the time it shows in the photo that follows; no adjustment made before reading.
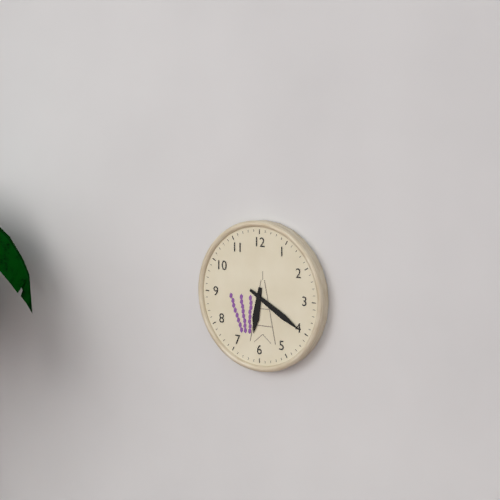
6:20
